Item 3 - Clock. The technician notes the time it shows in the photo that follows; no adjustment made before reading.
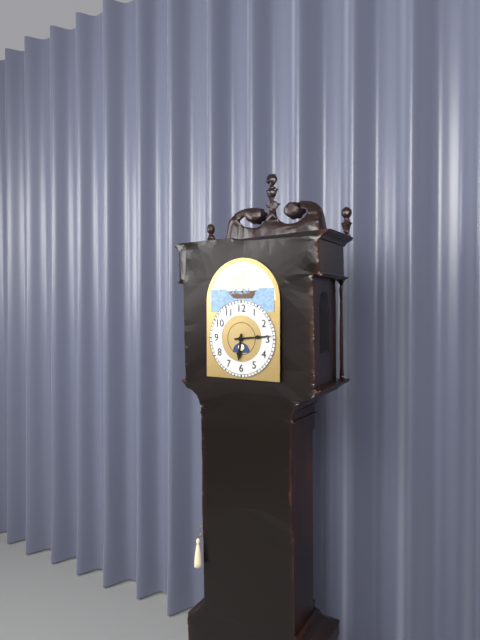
6:14
